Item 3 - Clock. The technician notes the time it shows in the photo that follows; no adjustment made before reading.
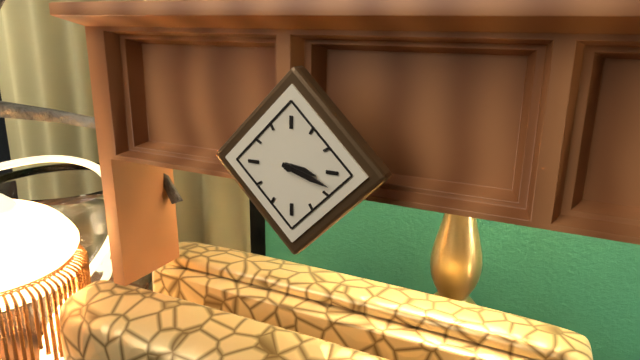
3:18
